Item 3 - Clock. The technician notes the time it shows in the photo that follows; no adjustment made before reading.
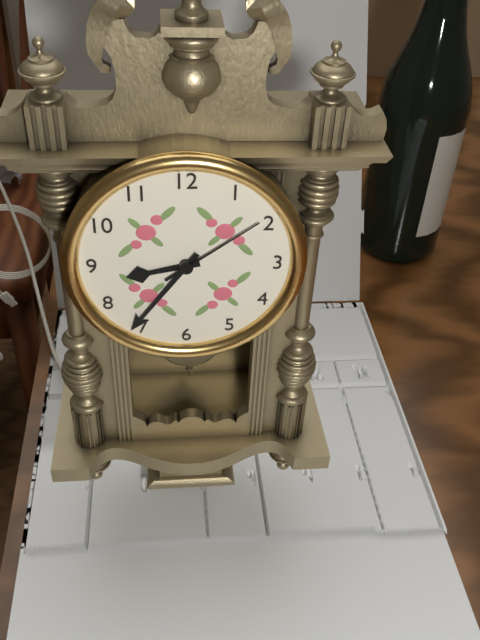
8:36:09
